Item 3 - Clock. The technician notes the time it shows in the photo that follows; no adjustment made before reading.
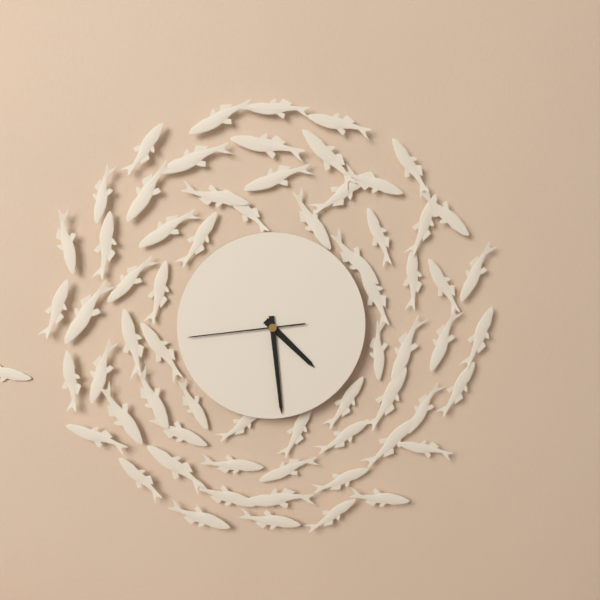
4:29:44
